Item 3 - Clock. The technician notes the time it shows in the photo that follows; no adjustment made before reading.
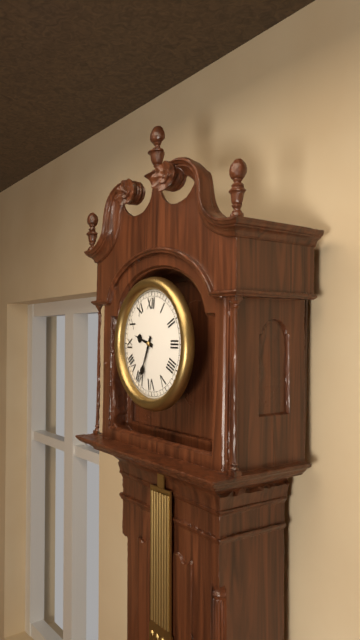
9:34
